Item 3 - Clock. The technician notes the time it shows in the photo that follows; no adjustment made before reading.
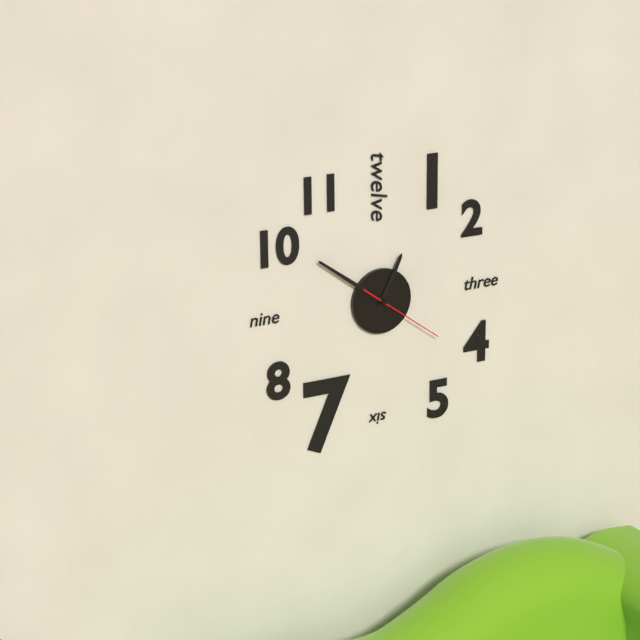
12:51:21
